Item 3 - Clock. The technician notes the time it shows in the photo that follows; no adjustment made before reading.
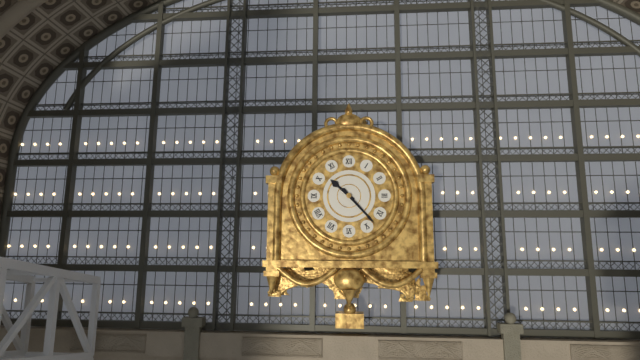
10:23
